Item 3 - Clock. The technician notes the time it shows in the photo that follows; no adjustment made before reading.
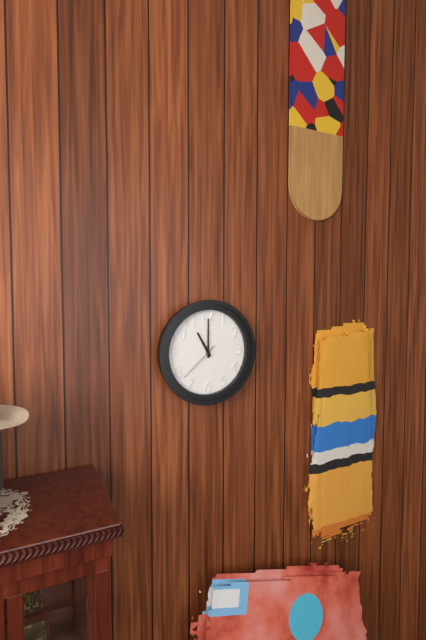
11:00
